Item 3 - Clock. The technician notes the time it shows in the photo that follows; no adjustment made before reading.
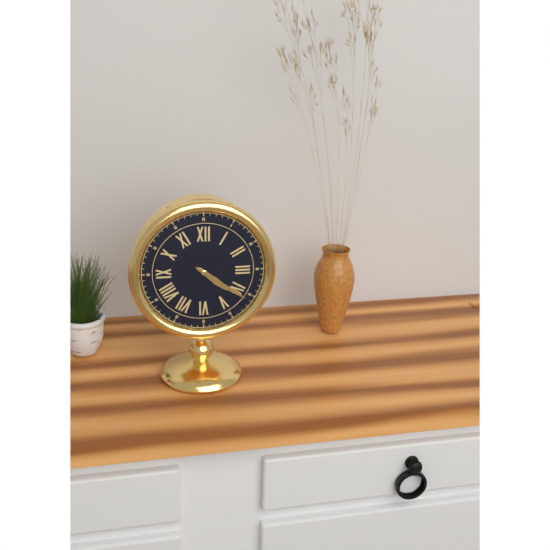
4:21
